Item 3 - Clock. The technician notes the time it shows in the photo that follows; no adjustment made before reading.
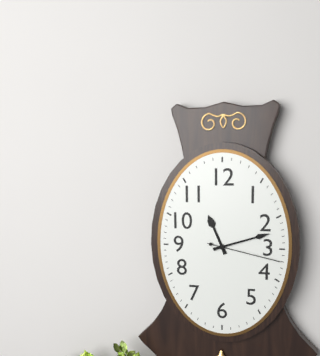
11:12:17
